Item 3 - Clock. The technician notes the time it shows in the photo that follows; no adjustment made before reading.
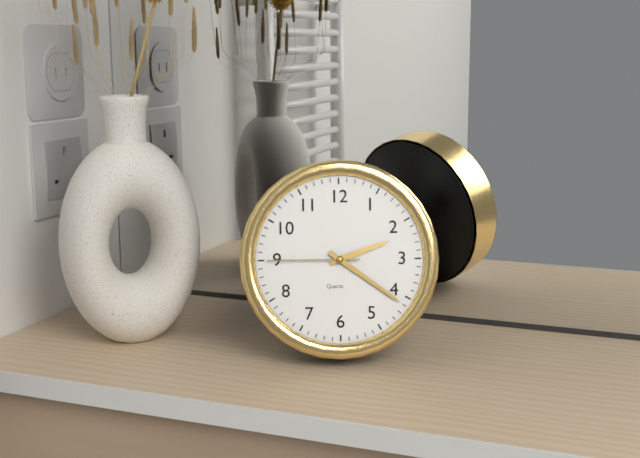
2:21:45
